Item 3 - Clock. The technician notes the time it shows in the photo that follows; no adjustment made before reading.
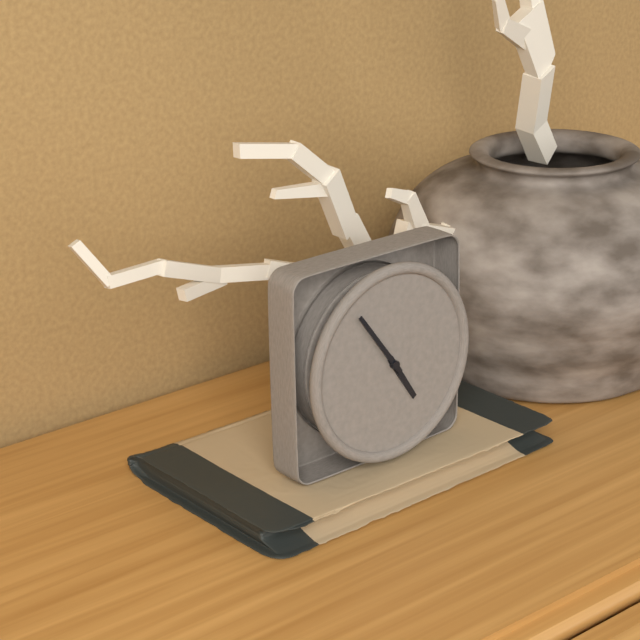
4:54
